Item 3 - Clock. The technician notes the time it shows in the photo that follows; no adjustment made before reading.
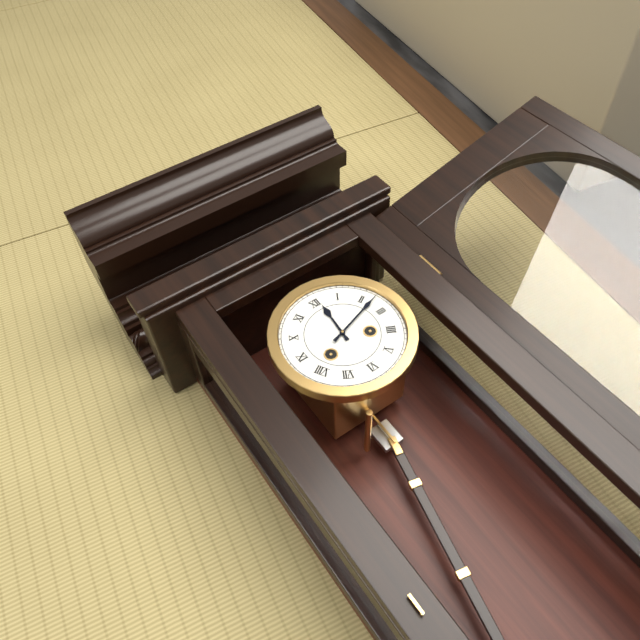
12:12
